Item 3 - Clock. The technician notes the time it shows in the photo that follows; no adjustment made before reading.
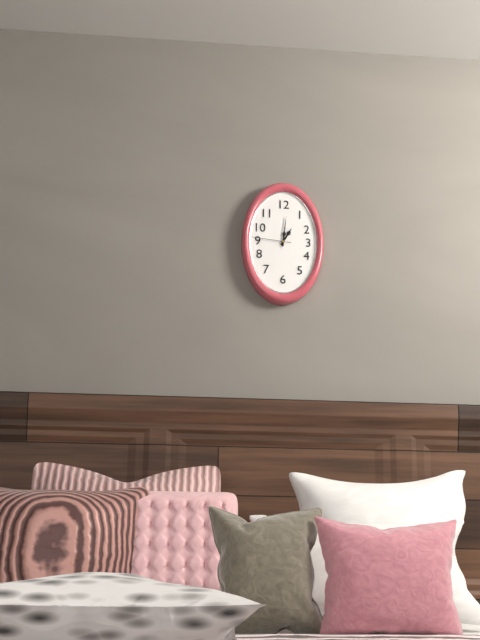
1:01
